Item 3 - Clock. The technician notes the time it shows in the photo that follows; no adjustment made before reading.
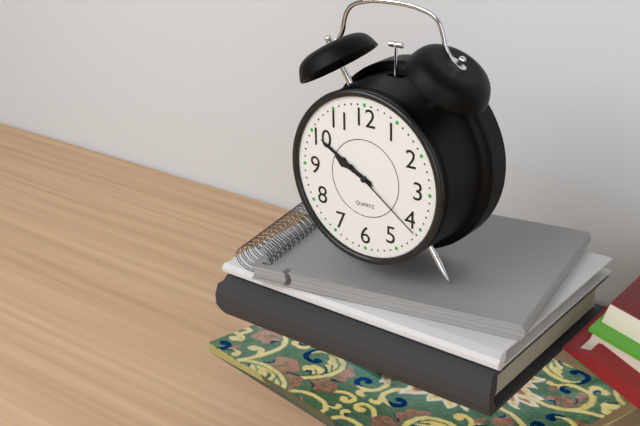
9:50:21
